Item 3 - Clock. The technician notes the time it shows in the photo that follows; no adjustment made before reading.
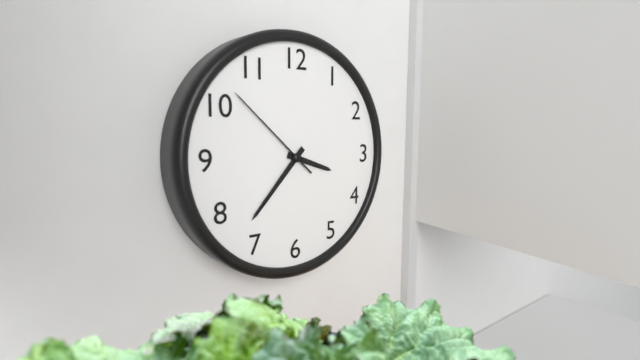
3:37:52
